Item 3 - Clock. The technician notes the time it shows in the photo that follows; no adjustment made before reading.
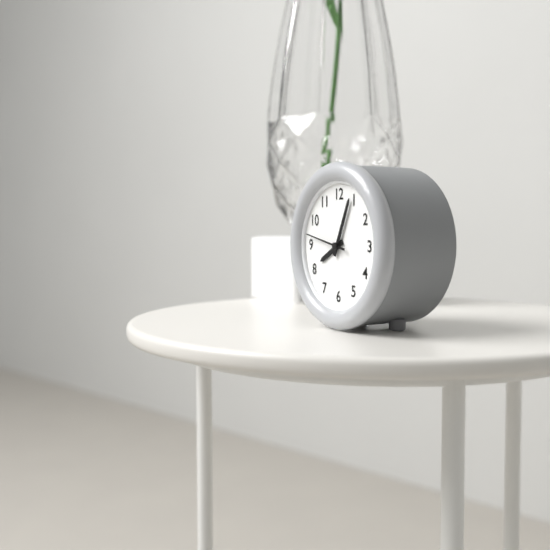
8:04
